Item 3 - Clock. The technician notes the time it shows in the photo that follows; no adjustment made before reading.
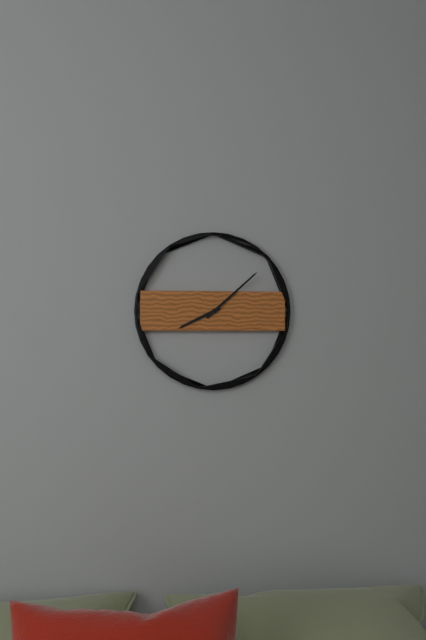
8:08
